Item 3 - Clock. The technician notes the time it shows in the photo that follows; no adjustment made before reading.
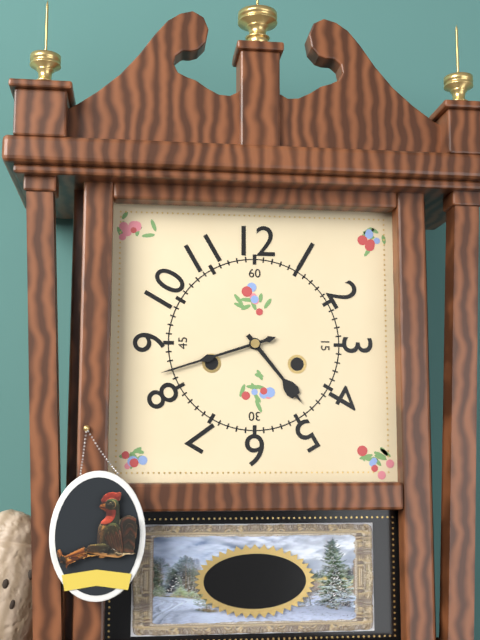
4:42
